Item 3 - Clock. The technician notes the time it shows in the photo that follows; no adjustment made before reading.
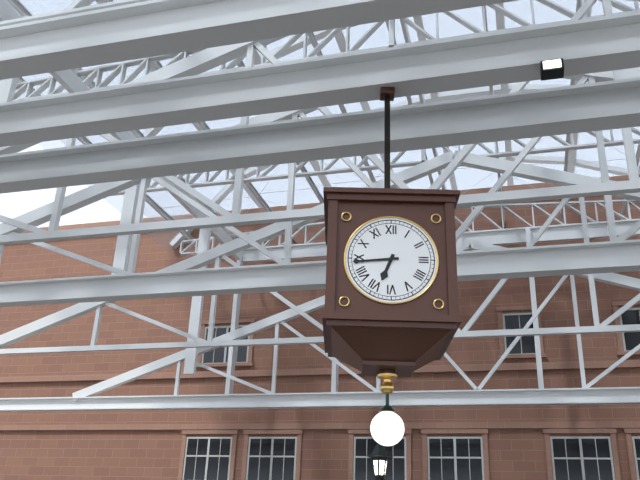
6:44
